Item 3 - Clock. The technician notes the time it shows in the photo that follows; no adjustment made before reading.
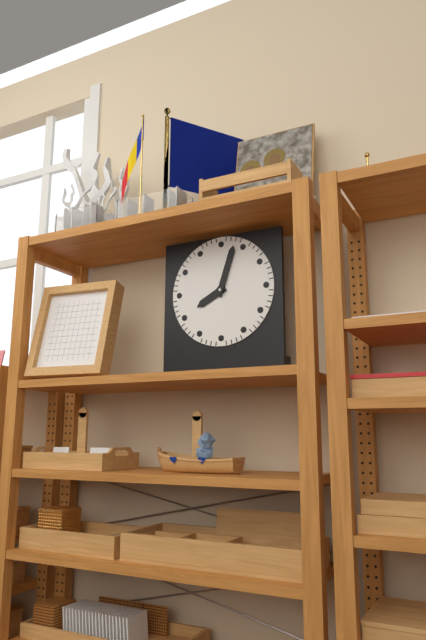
8:03
